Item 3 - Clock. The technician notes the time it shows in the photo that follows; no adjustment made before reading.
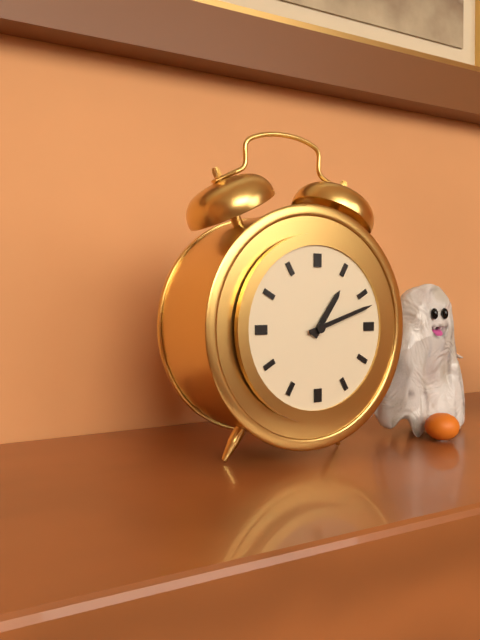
1:12
